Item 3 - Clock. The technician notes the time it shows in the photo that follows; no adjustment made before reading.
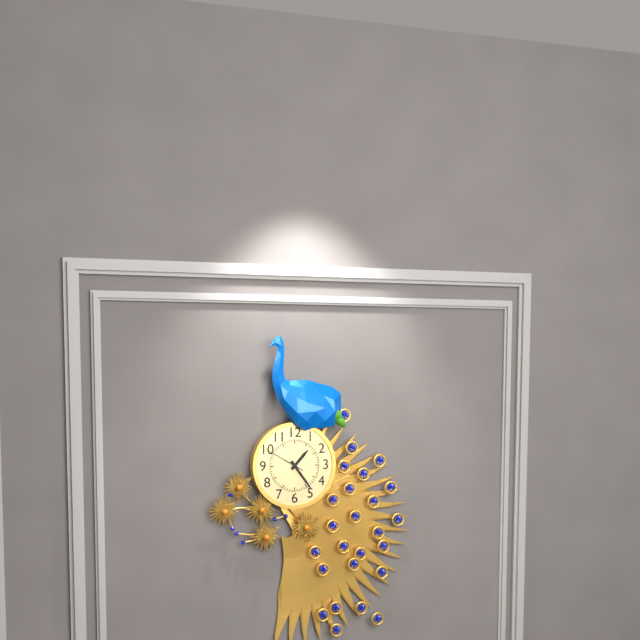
1:24
